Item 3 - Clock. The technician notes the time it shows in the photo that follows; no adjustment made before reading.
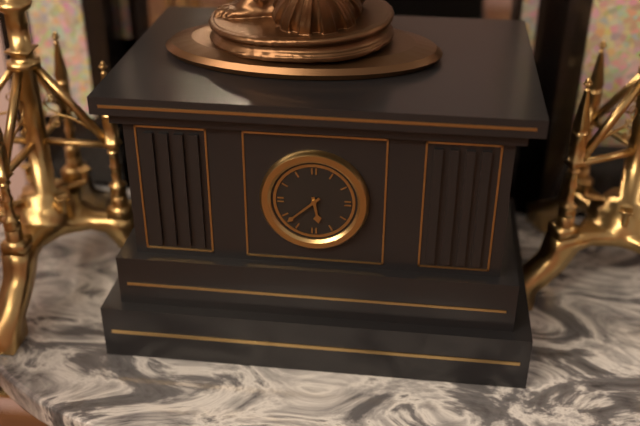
5:38
